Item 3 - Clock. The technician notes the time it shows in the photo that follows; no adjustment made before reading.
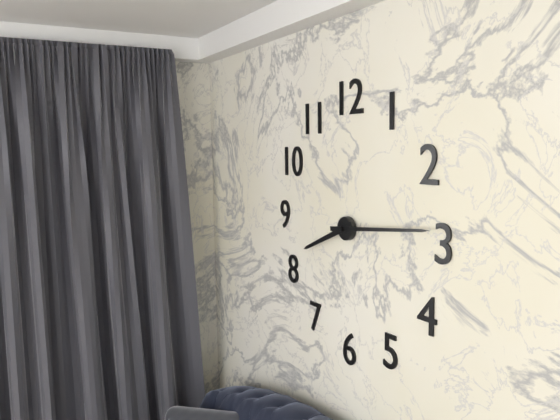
8:14
